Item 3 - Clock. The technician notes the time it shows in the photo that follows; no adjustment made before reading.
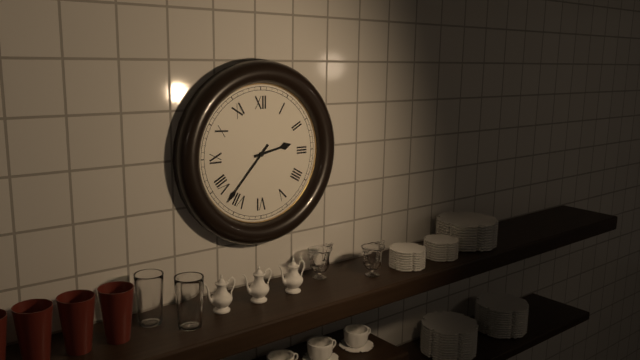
2:37
